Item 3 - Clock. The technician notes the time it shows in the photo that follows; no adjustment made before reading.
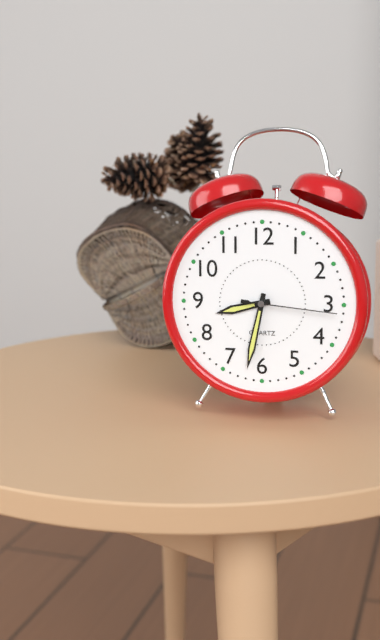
8:32:16
